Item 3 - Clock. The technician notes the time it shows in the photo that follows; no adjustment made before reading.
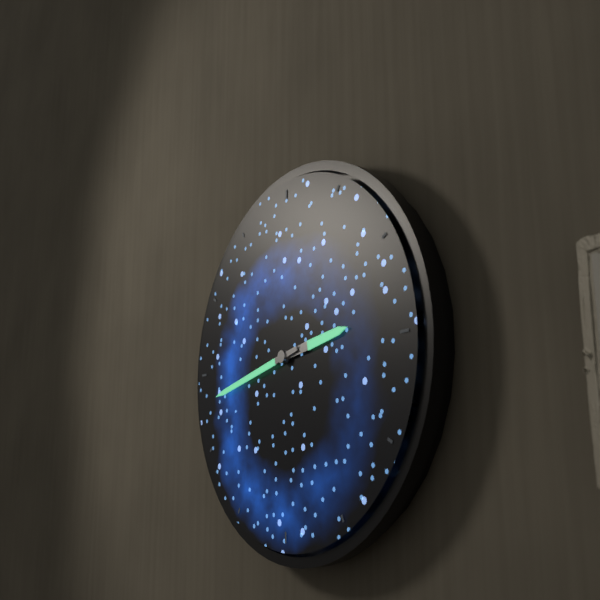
2:43
